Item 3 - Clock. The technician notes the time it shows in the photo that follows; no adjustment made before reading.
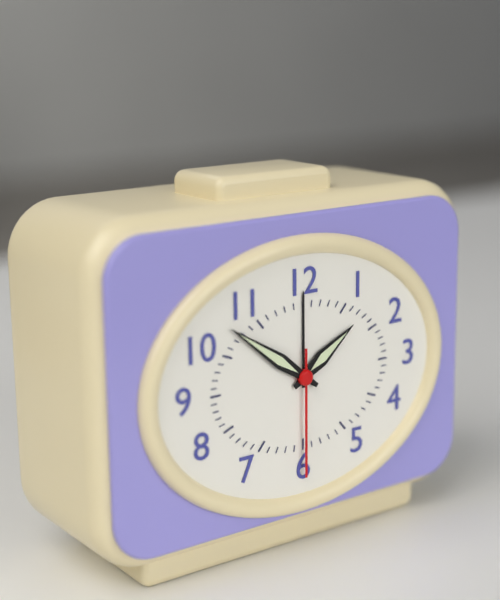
1:51:30
